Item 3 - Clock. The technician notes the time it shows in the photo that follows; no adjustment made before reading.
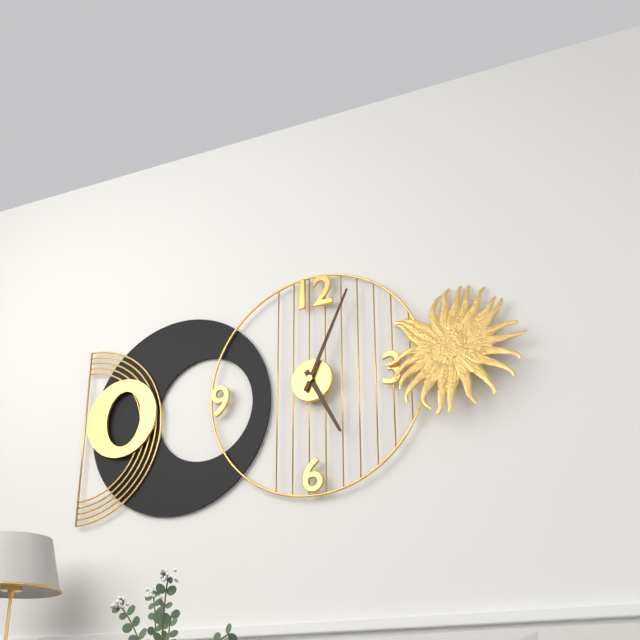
5:04
